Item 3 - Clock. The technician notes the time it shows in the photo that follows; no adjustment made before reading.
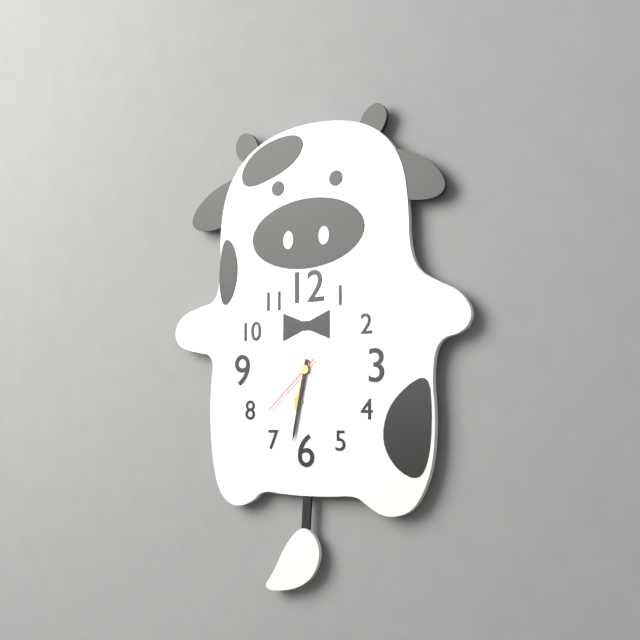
6:32:38
